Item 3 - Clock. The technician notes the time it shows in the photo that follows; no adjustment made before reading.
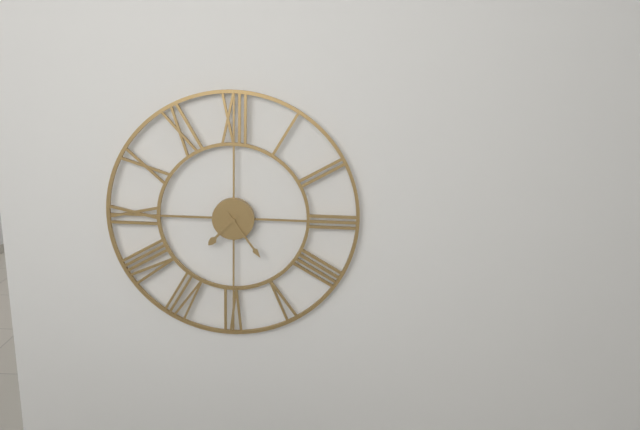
7:24
